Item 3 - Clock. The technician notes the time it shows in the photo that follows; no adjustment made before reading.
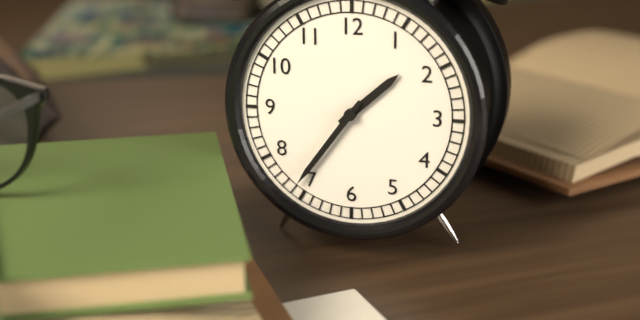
1:36
